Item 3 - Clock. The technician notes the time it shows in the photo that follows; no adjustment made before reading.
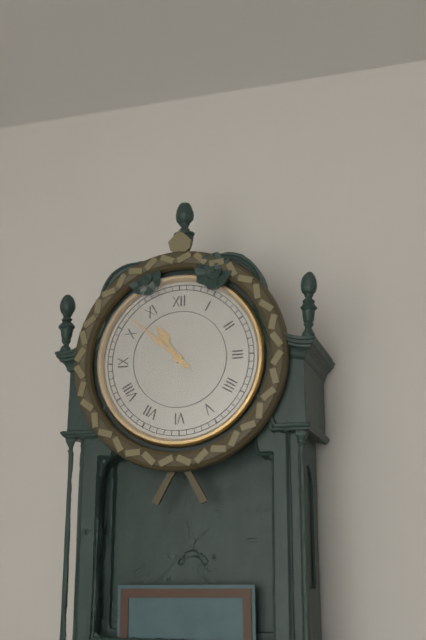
10:52
